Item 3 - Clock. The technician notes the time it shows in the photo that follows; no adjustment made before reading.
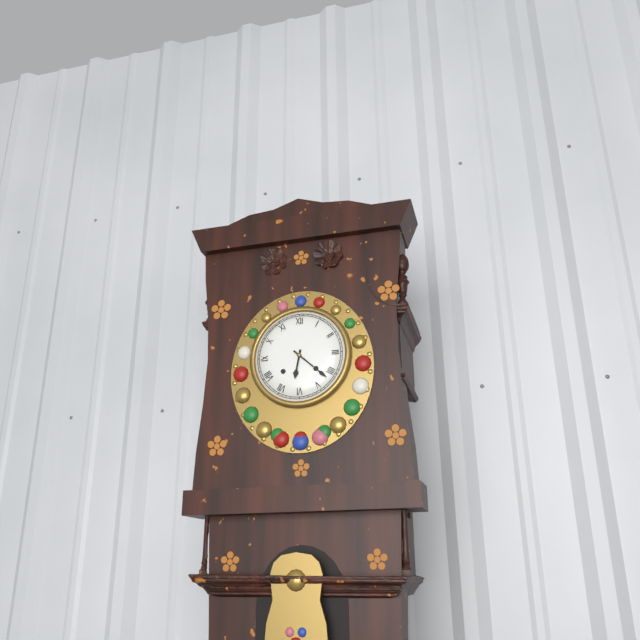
6:22
